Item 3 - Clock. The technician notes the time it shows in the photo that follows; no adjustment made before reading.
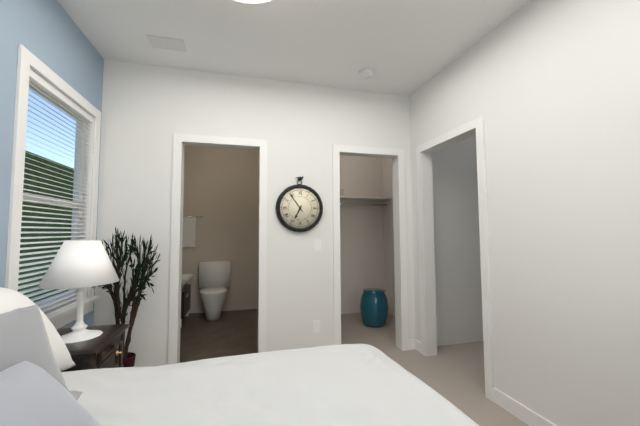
6:54
